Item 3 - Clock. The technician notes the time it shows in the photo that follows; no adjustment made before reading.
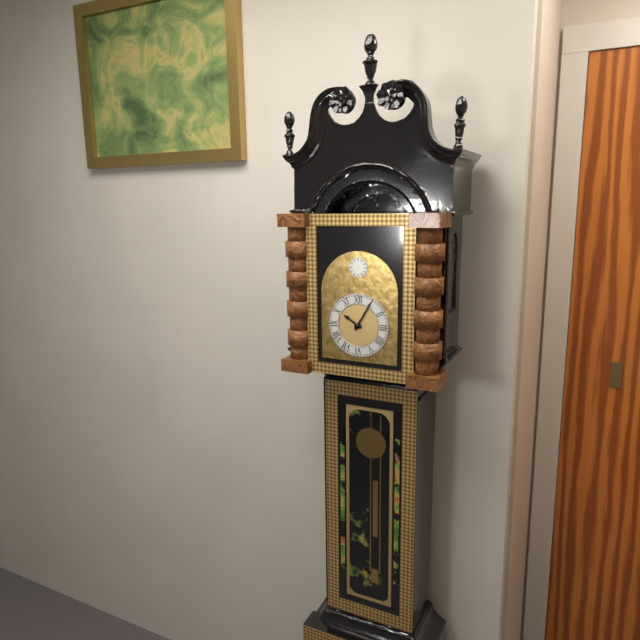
10:05
